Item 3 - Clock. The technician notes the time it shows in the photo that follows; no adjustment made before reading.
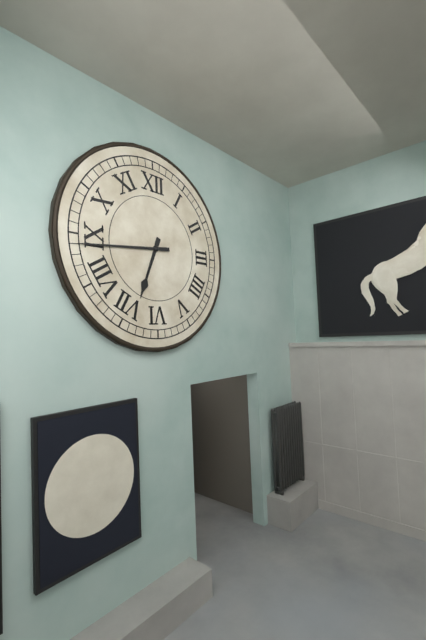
6:44
